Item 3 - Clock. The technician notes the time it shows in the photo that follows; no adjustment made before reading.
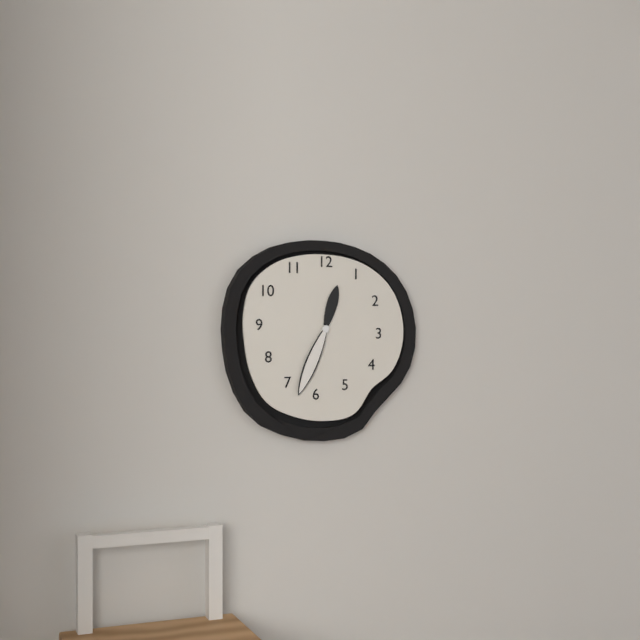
12:34
